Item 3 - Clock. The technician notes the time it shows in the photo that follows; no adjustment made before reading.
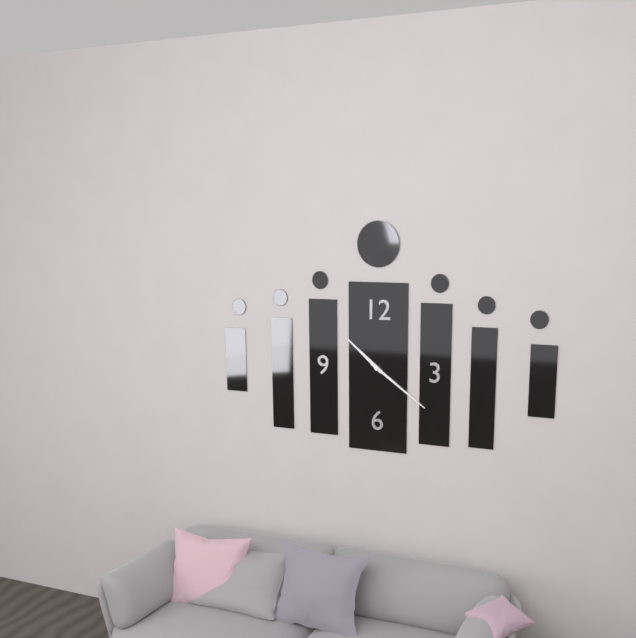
10:21
